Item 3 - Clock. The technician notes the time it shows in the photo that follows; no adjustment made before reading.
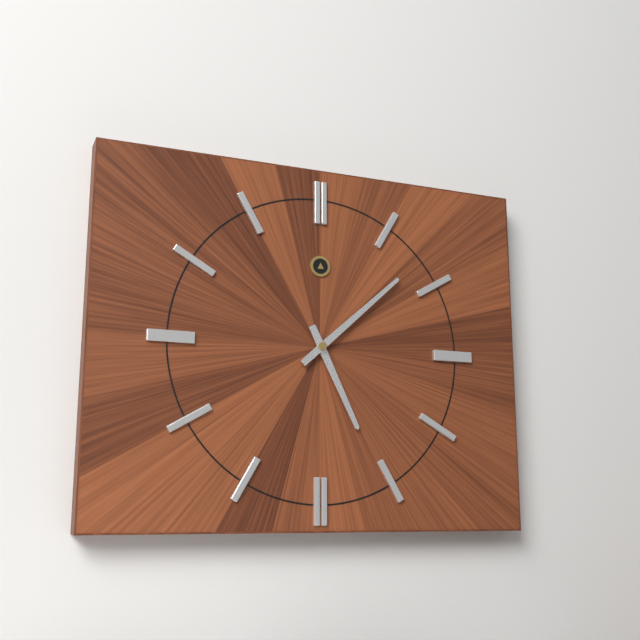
5:08
